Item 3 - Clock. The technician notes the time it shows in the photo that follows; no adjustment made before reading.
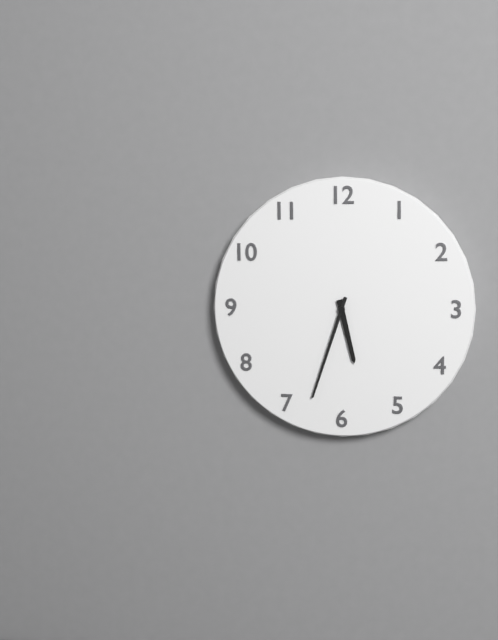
5:33
